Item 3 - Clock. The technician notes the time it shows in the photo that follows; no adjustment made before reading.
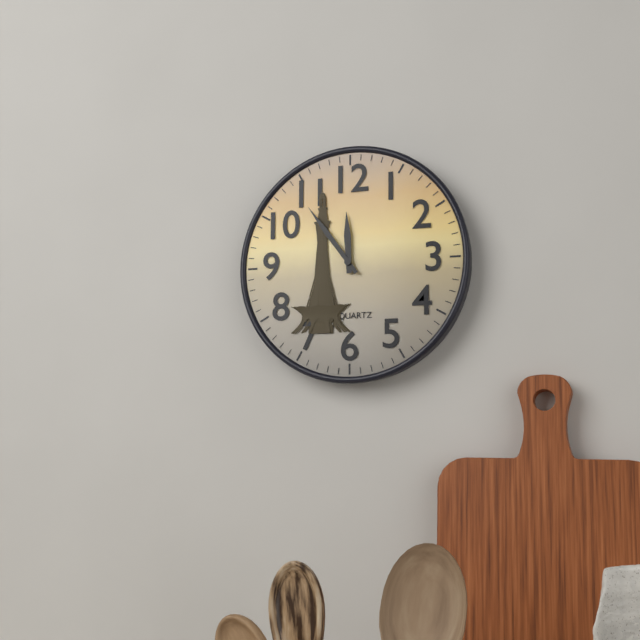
11:54
